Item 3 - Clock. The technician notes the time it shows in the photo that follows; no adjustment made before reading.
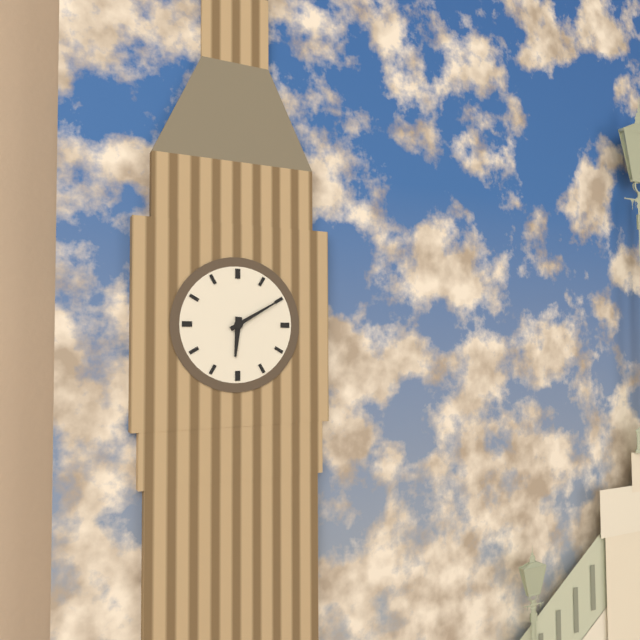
6:10
